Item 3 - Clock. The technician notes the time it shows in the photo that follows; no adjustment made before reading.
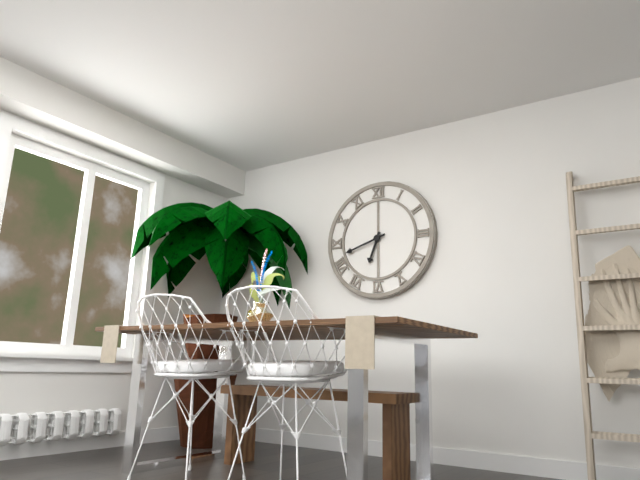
6:42
